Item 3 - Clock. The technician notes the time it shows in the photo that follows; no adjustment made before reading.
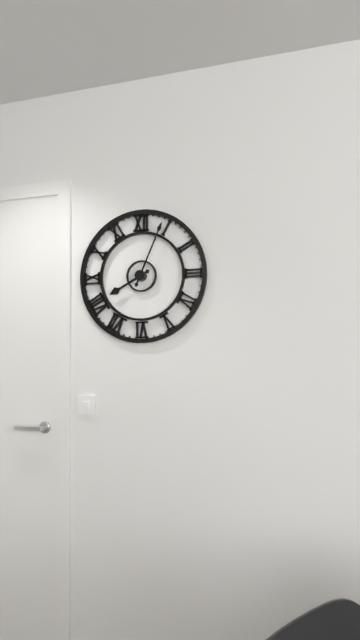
8:04
